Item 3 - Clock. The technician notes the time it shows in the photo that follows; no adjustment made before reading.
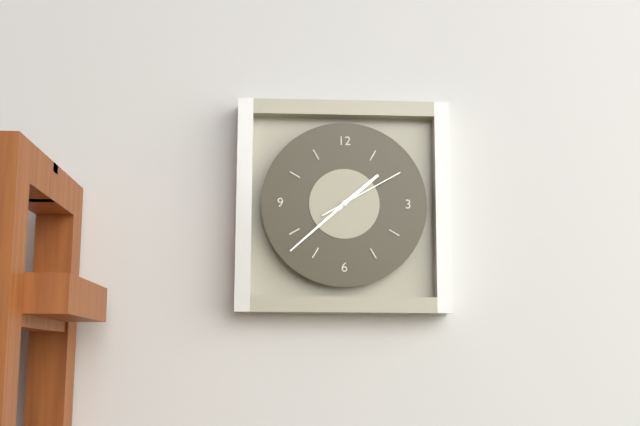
1:38:10
